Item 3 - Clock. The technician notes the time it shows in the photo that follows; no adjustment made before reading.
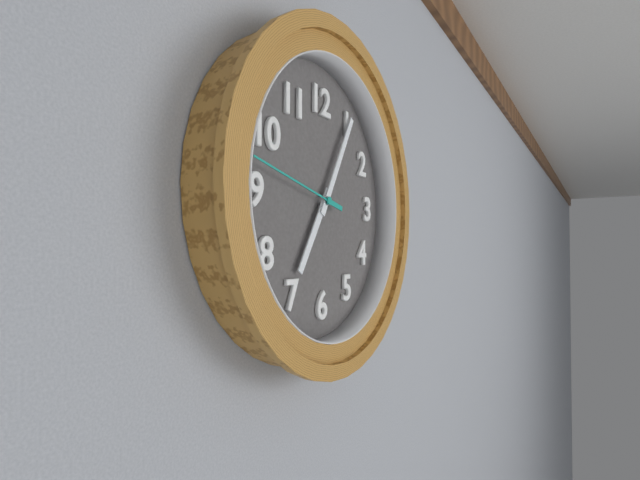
7:05:47
